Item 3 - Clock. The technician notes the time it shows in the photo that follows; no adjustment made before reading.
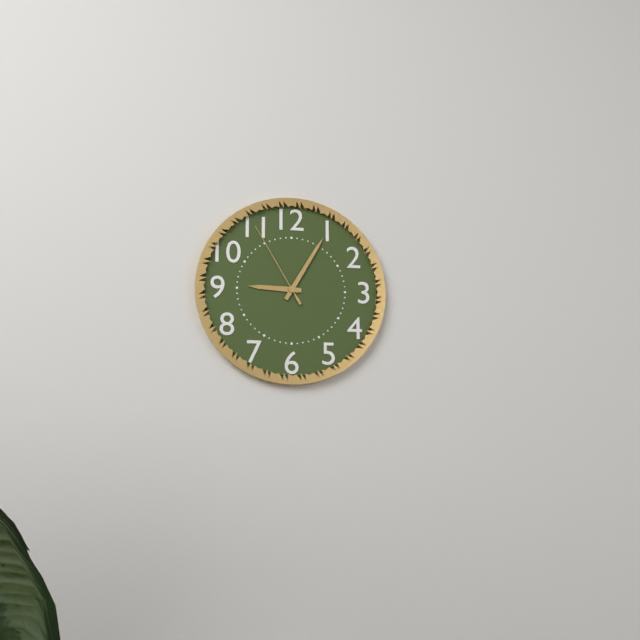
9:05:55
